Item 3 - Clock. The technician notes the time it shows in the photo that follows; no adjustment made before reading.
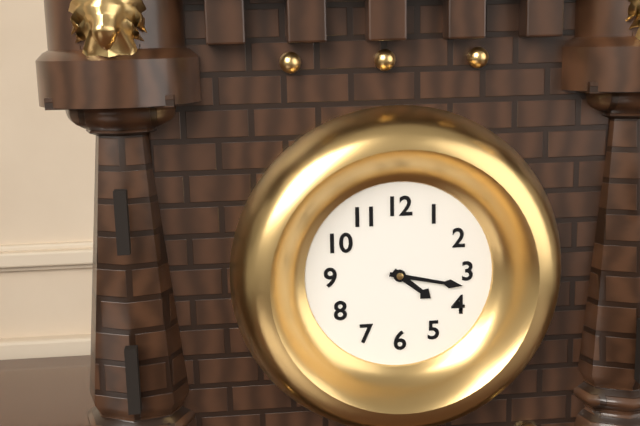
4:17
